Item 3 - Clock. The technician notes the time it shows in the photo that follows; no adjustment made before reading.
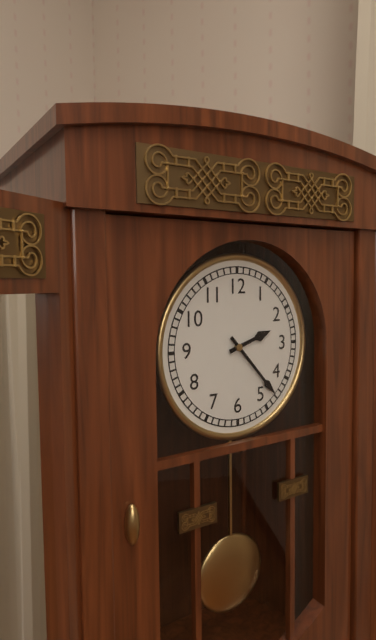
2:23
